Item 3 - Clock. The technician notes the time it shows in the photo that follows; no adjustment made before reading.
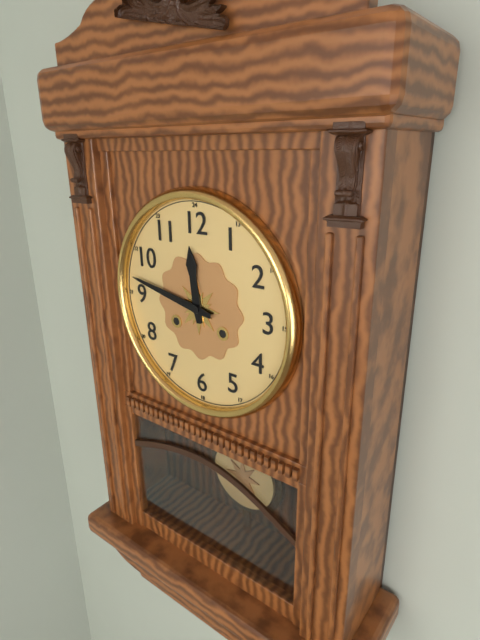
11:47
